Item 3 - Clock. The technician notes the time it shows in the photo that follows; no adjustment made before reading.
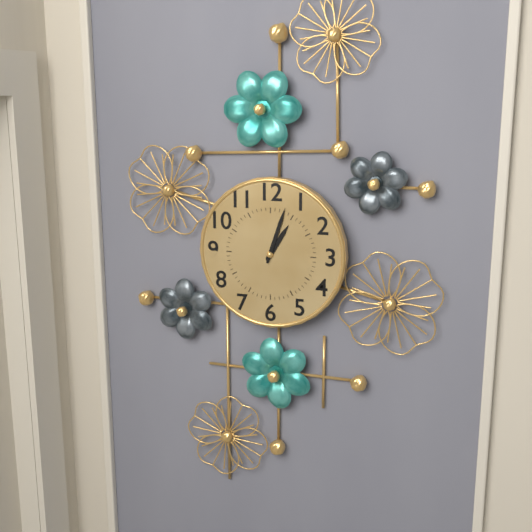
1:03
